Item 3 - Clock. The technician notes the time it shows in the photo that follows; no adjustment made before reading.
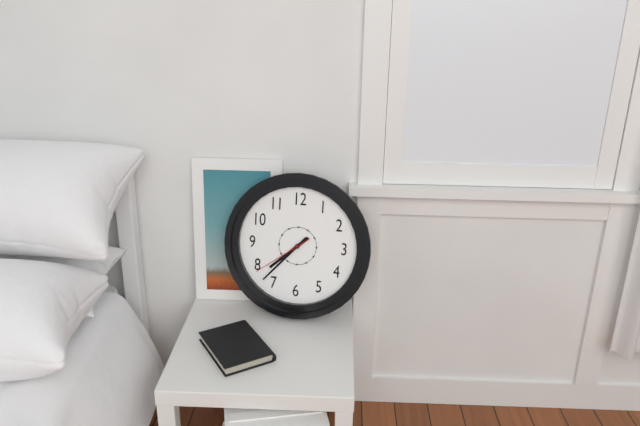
7:37:39
